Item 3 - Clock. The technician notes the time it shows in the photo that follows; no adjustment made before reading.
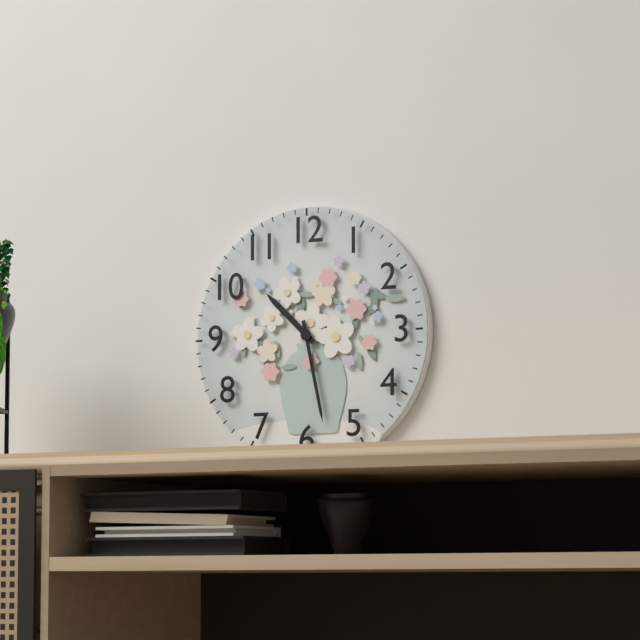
10:28
